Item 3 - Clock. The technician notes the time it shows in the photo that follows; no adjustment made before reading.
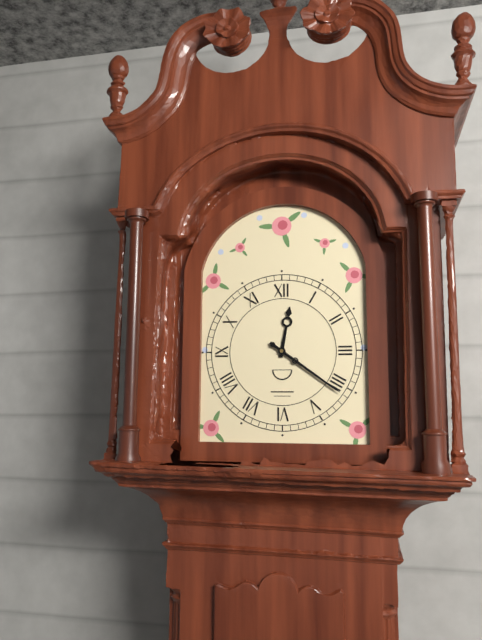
12:21
